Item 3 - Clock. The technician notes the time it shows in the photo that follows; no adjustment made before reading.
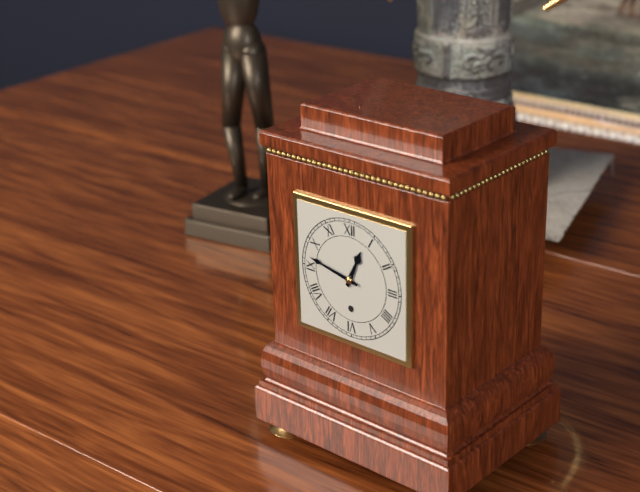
12:47
